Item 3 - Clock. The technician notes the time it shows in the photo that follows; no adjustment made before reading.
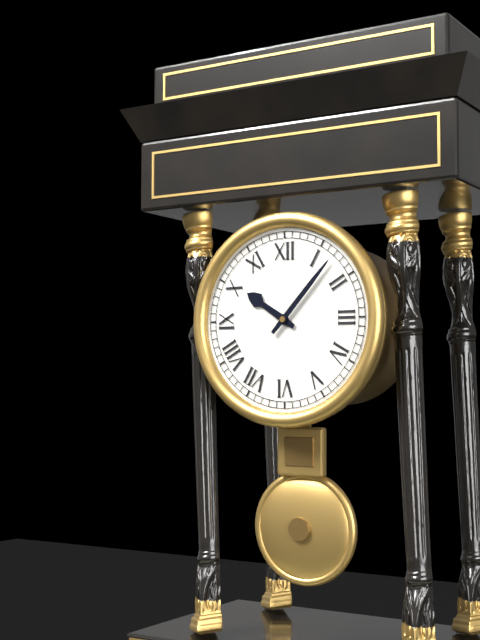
10:07
